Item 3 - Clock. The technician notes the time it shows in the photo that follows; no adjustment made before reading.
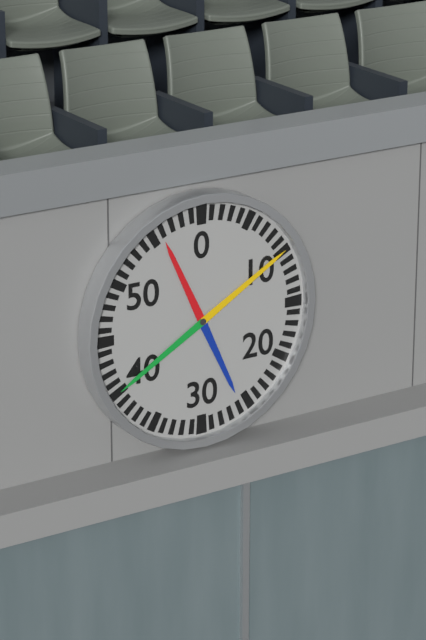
11:10
